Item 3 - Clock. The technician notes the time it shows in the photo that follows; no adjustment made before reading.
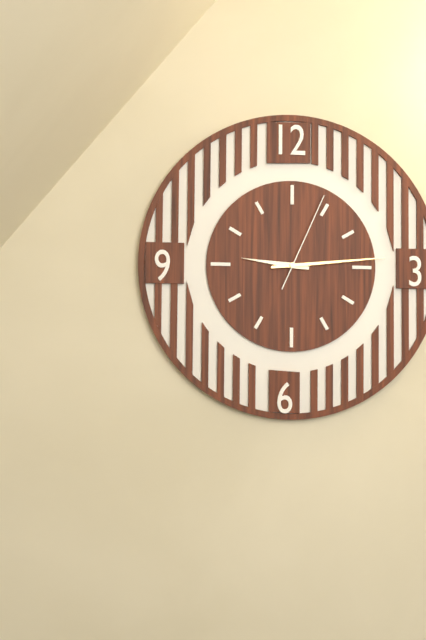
9:14:04
